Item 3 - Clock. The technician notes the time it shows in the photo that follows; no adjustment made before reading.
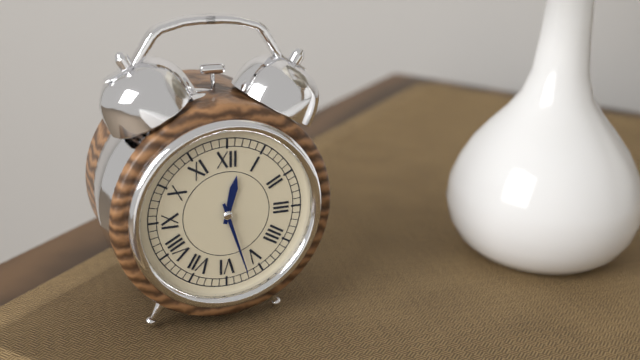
12:27
